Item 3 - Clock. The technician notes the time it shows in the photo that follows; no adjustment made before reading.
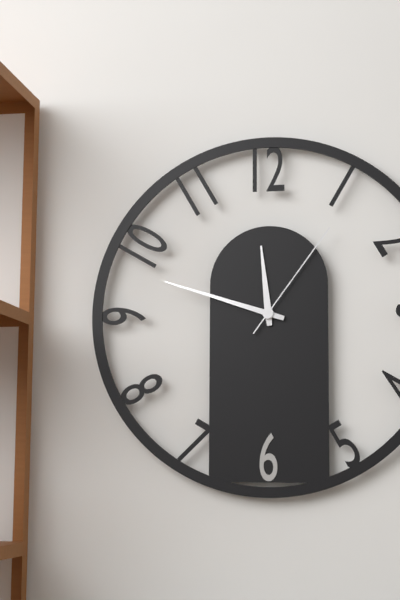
11:48:06
